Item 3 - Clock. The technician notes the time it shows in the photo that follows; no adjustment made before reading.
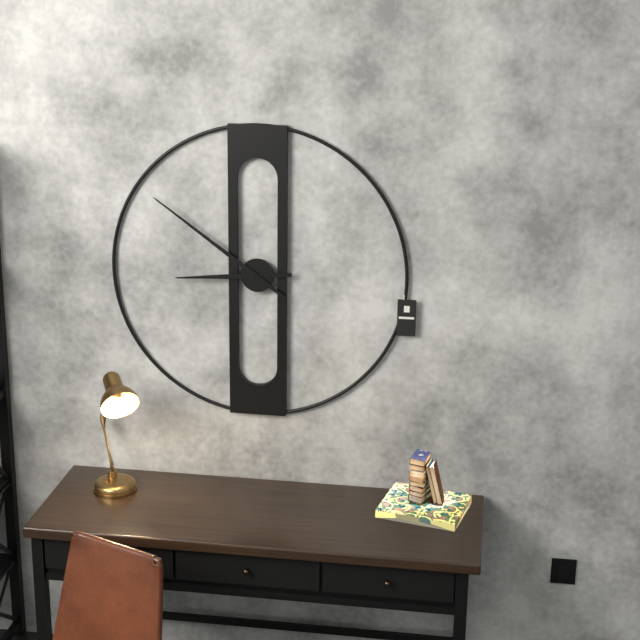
8:51
